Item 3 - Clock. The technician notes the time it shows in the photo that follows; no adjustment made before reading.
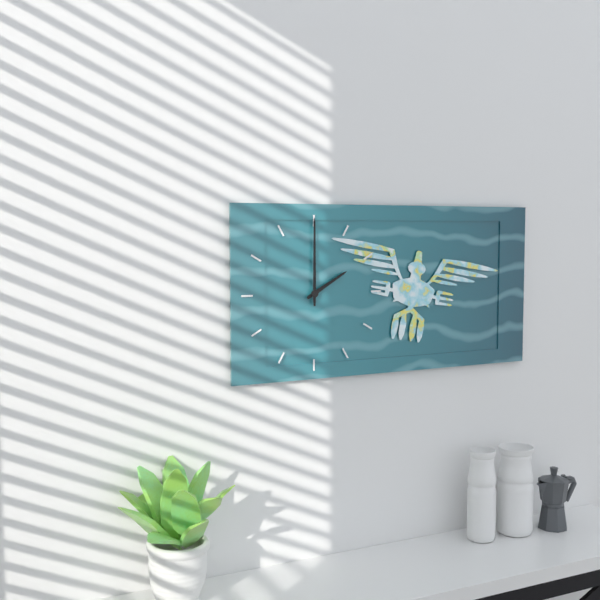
2:00
